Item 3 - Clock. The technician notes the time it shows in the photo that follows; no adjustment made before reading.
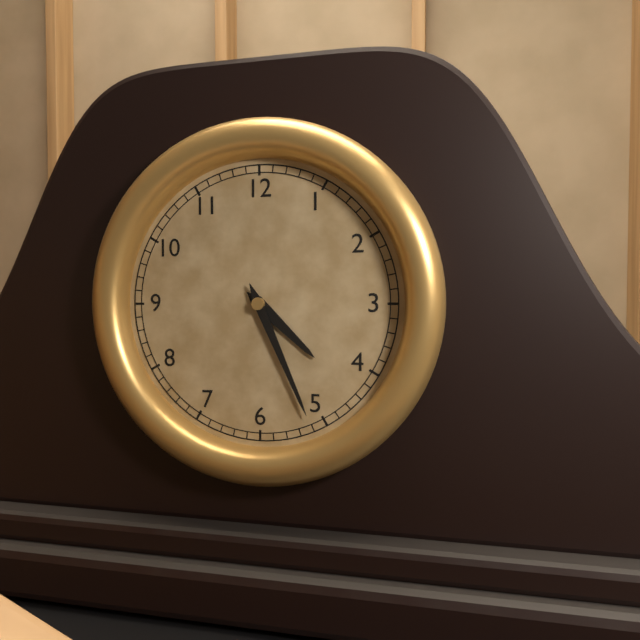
4:26
